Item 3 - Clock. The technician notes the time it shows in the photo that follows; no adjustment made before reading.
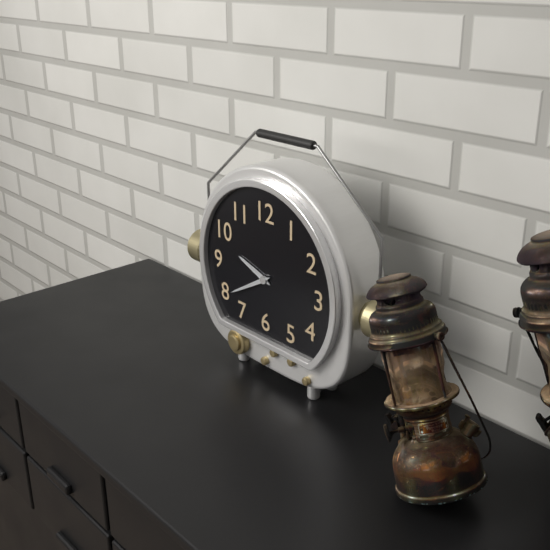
9:40
